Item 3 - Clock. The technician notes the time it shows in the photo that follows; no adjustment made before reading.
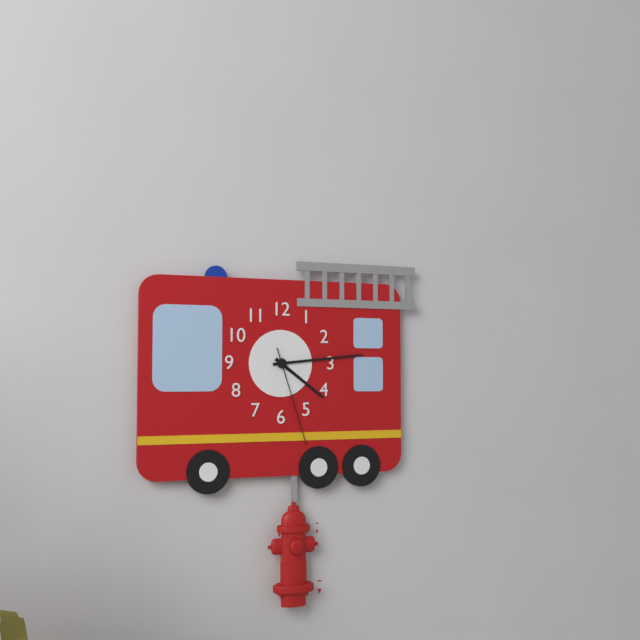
4:14:27
